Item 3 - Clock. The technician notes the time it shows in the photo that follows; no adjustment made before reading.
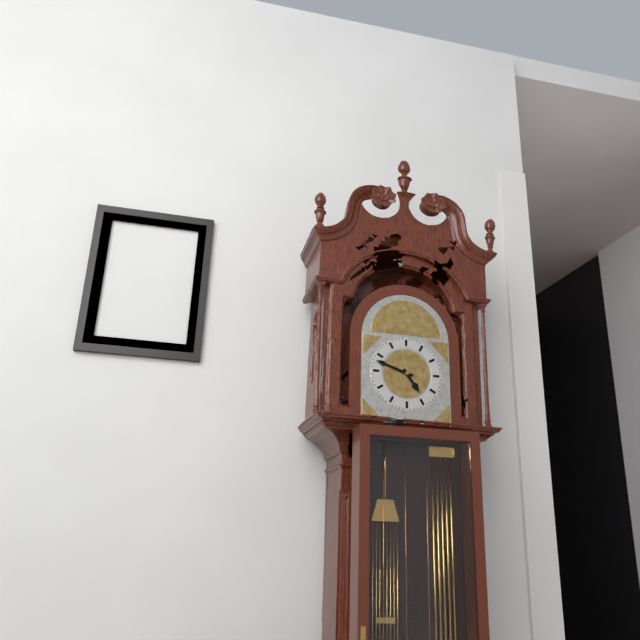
4:48
